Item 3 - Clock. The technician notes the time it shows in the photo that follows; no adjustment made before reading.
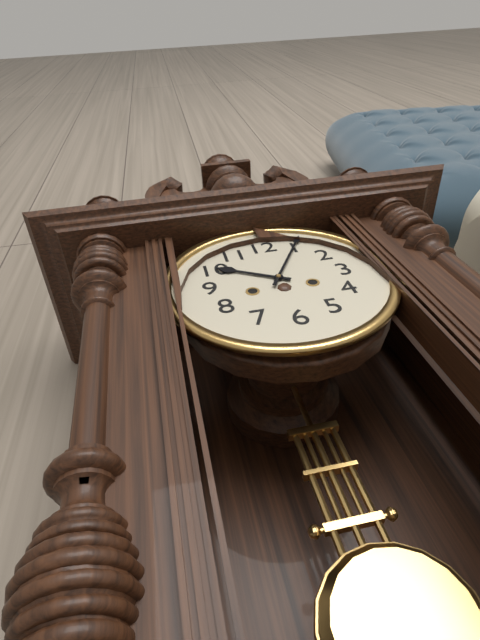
10:05
